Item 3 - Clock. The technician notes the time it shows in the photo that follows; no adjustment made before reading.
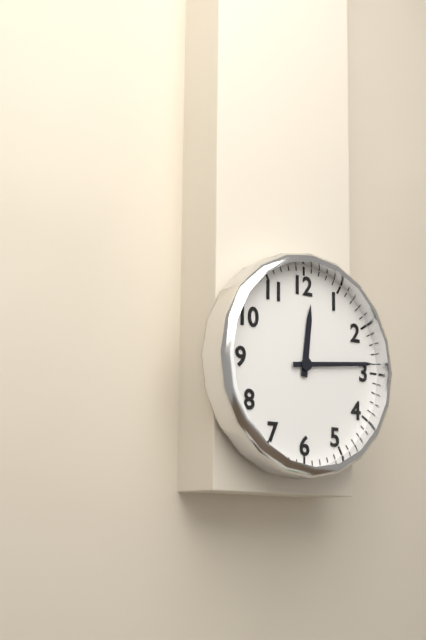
12:14
